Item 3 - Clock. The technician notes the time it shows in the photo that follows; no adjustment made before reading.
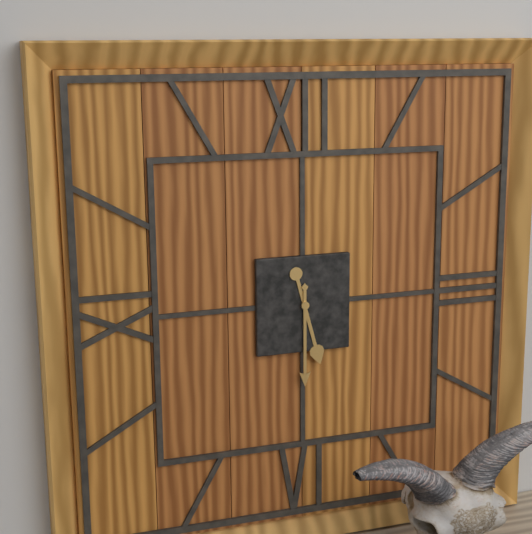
5:30
